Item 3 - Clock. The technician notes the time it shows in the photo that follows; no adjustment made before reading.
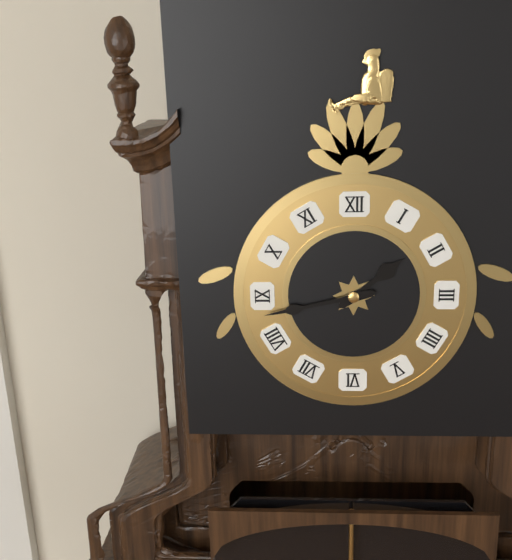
1:43
